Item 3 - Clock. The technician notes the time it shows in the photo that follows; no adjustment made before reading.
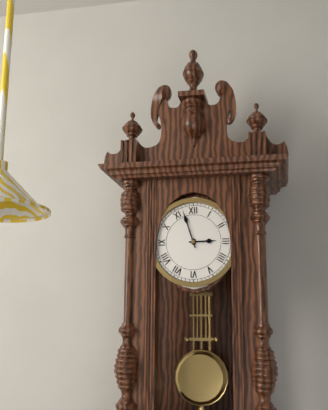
2:57
